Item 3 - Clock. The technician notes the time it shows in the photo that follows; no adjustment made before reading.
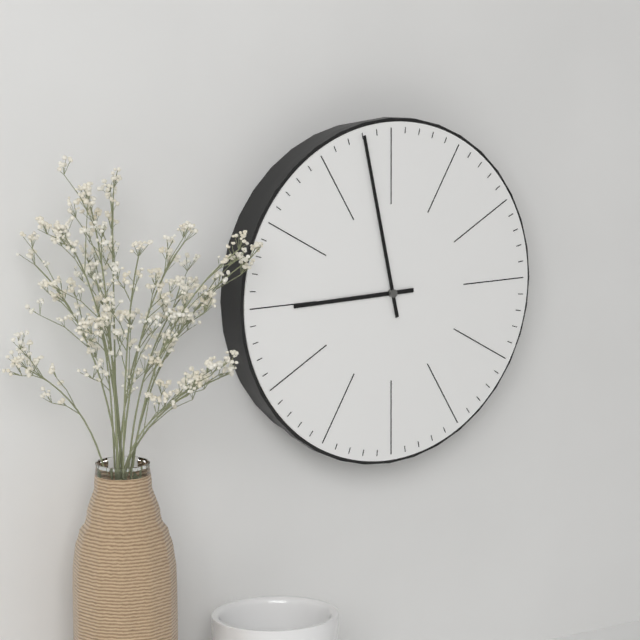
8:58
